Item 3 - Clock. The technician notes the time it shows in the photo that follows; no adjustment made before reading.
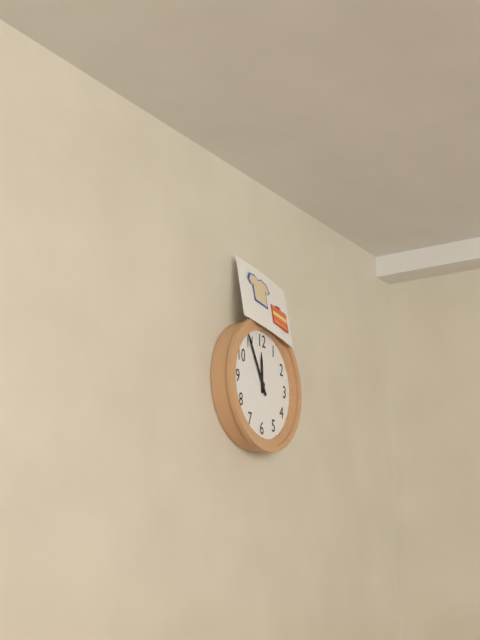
11:55
